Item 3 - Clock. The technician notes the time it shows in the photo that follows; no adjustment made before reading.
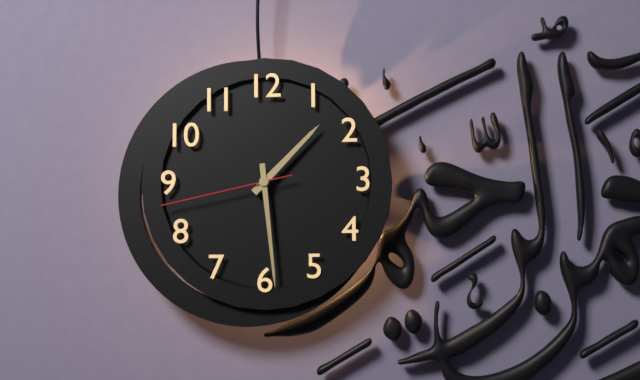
1:29:43
